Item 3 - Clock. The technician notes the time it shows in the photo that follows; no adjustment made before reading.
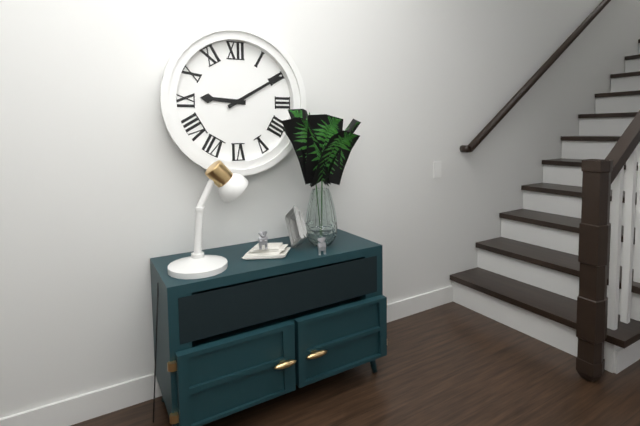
9:10
